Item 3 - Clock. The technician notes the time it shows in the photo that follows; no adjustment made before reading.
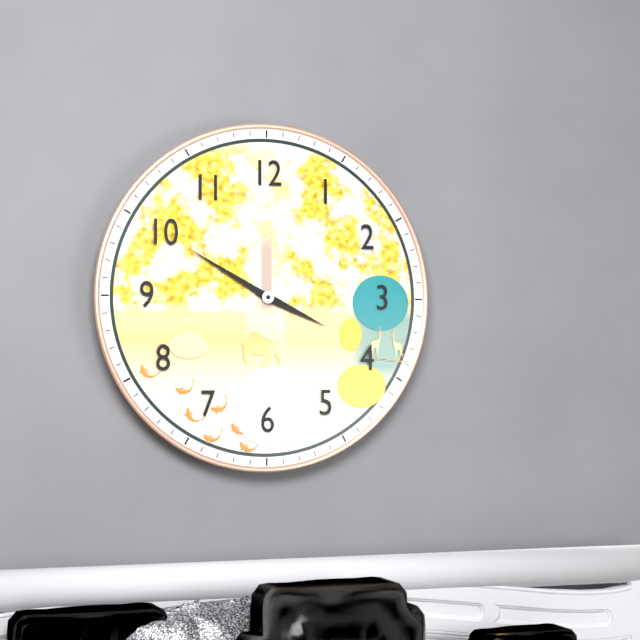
3:50
